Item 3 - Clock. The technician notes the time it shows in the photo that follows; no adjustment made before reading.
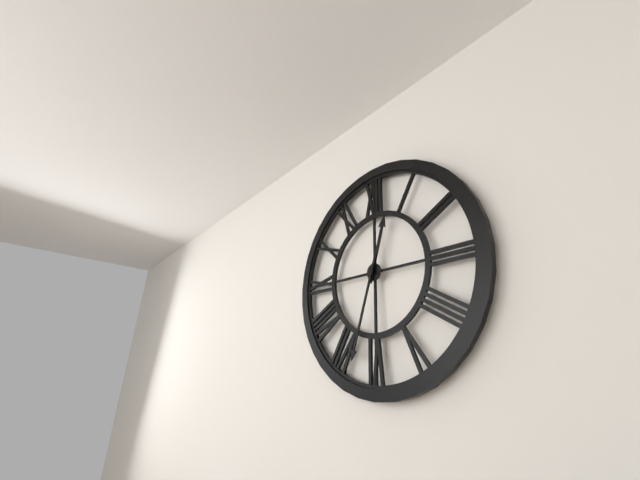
12:33
